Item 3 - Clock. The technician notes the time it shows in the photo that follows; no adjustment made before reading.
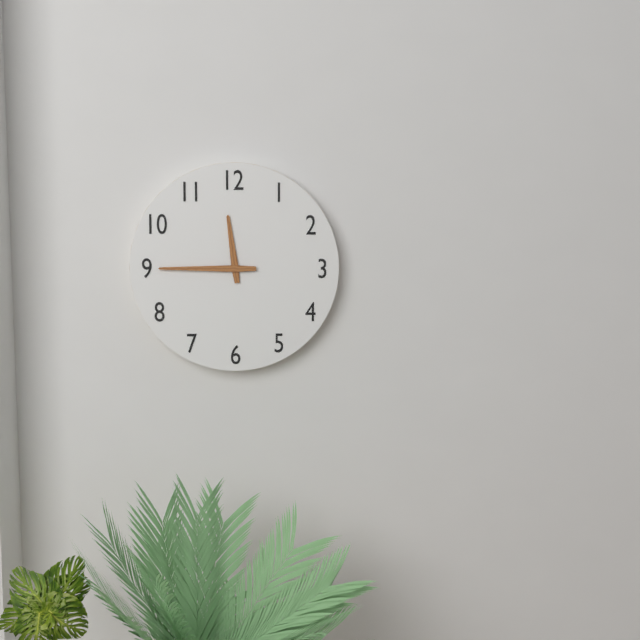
11:45
